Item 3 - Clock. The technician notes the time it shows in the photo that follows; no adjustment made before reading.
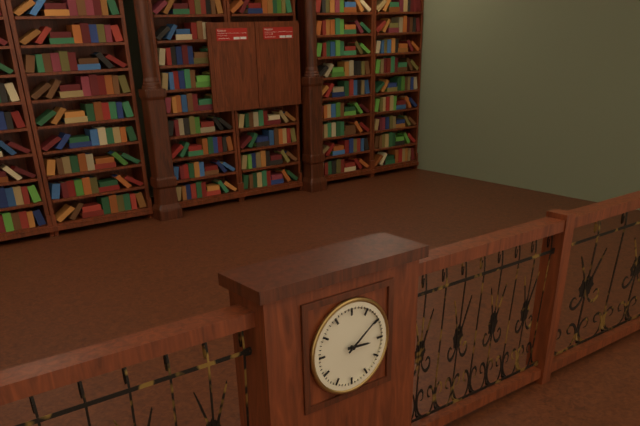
3:09
